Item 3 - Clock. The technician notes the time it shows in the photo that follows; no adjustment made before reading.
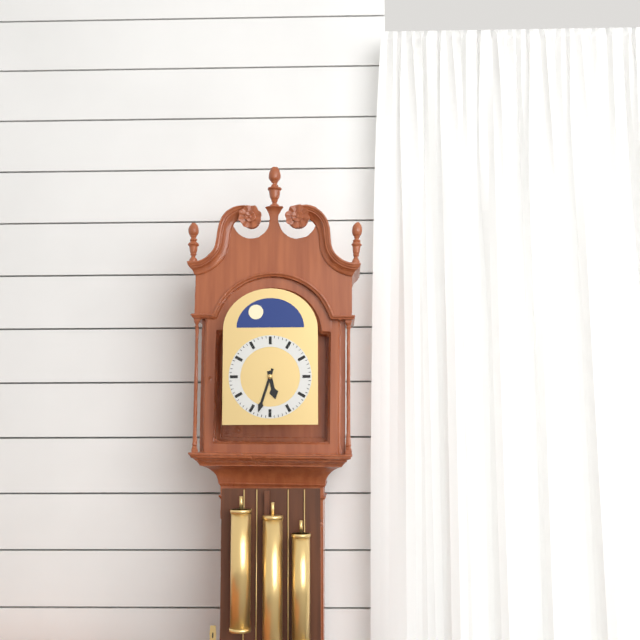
5:33
